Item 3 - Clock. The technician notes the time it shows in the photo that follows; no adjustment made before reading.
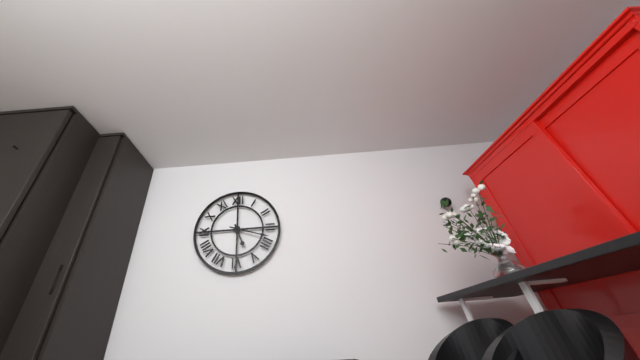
5:18
